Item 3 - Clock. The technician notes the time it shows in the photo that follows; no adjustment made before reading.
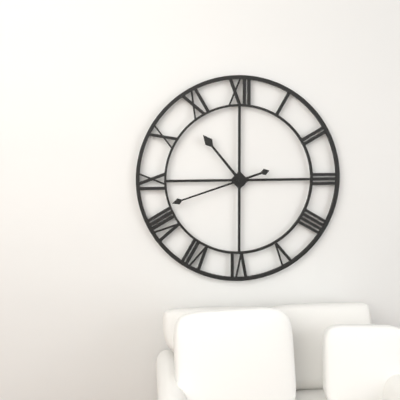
10:42
